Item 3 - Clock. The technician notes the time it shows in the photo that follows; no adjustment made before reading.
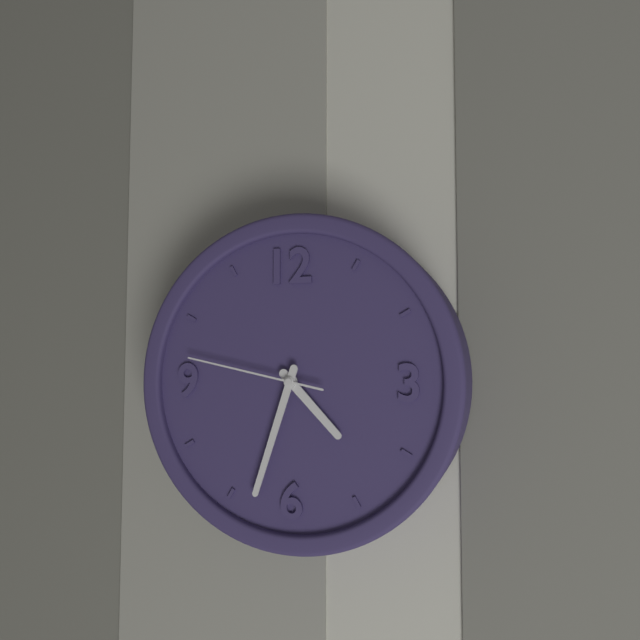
4:33:47
